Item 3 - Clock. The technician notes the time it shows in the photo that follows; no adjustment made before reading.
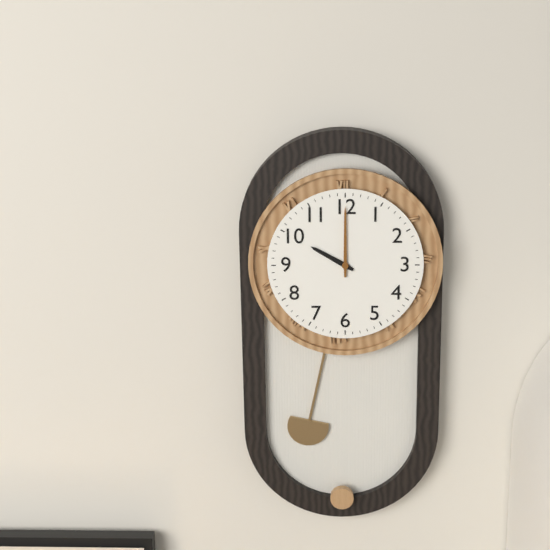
10:00
